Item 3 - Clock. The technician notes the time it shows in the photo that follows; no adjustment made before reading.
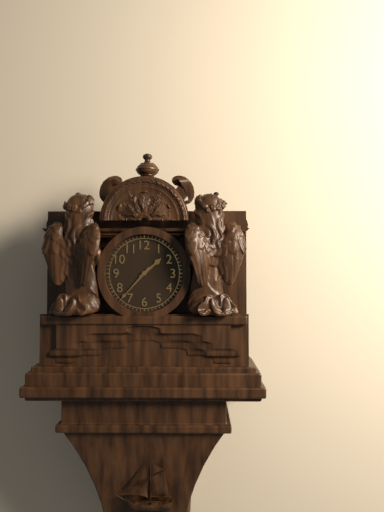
1:37
